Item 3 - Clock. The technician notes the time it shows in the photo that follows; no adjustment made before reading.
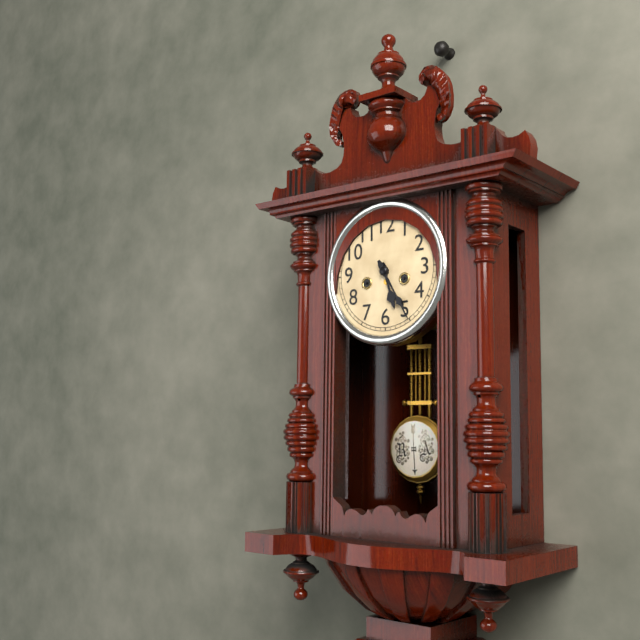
5:25
